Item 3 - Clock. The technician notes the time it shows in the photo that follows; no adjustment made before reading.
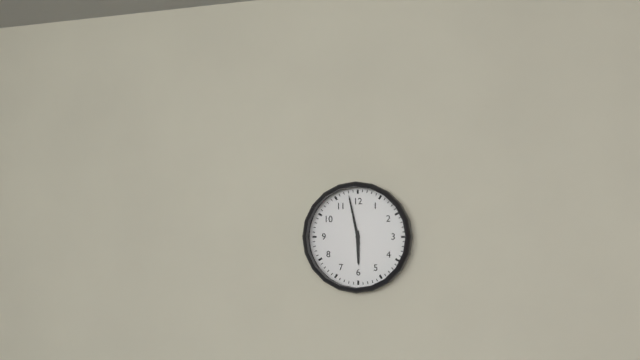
5:58
